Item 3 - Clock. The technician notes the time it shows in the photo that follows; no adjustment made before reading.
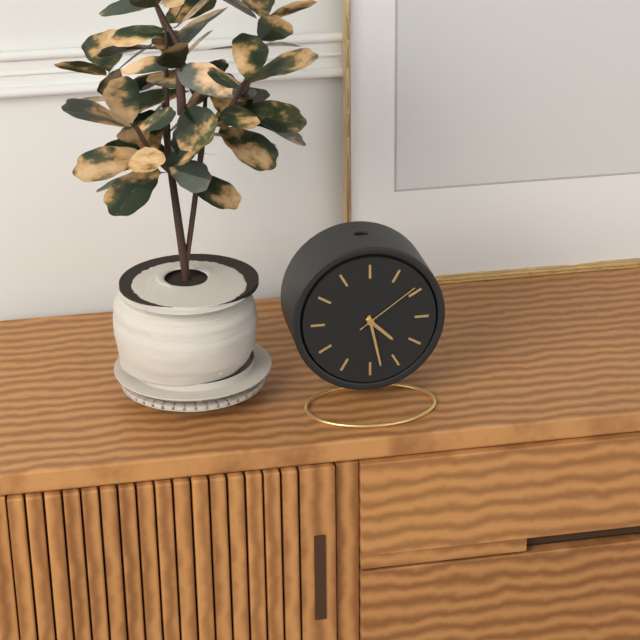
4:28:09
